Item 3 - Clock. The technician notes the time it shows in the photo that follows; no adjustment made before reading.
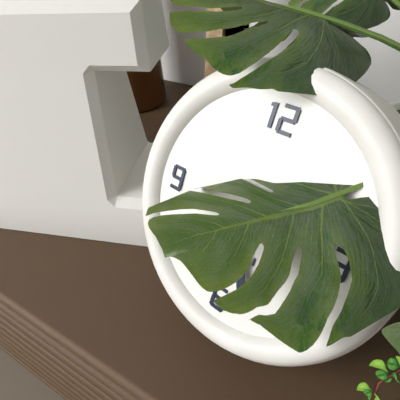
2:27
